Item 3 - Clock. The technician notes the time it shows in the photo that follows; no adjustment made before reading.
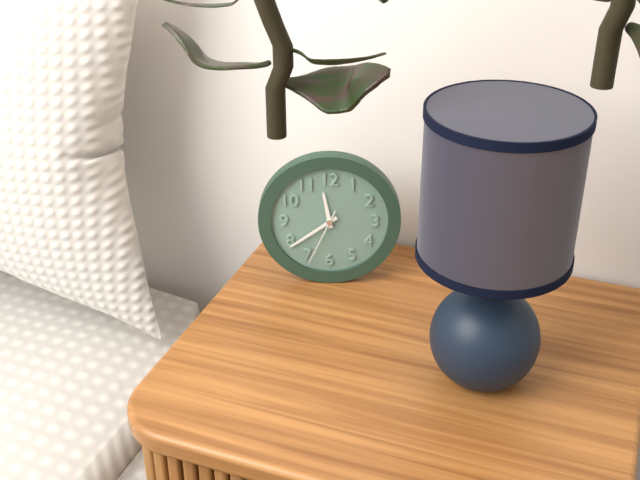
11:39:34
